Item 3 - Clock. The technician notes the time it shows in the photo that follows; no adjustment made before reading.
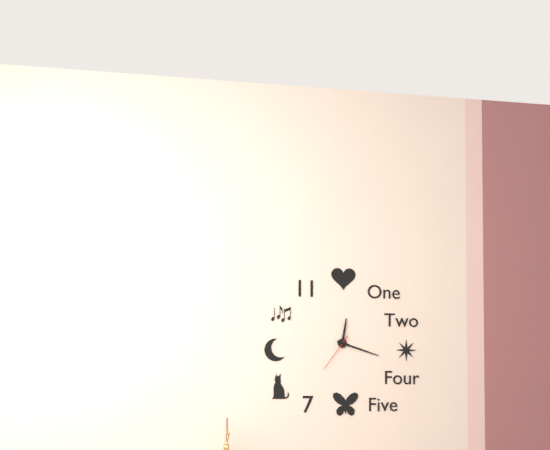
12:18
